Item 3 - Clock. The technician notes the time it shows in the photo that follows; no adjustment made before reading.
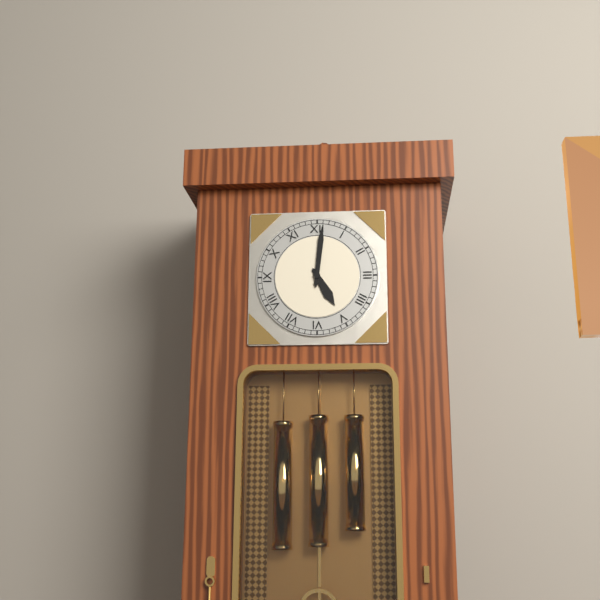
5:01
